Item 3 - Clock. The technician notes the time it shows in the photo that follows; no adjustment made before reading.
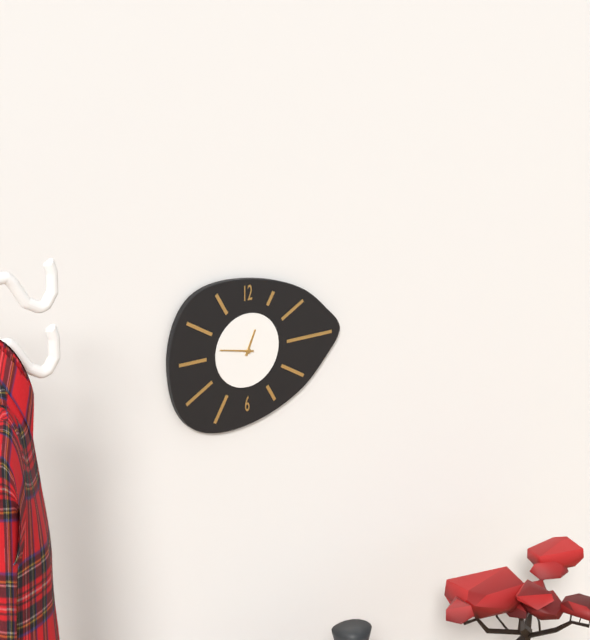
12:47
